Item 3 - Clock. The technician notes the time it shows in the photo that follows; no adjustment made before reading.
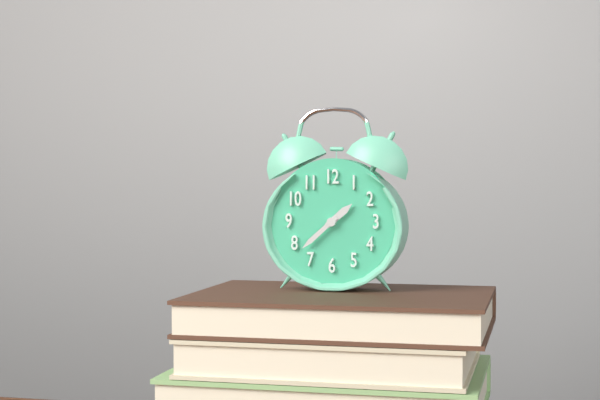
1:38
